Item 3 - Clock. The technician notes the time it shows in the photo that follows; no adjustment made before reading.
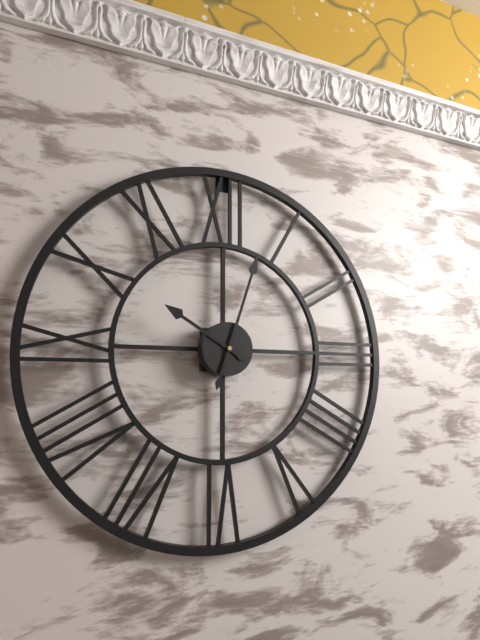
10:03
